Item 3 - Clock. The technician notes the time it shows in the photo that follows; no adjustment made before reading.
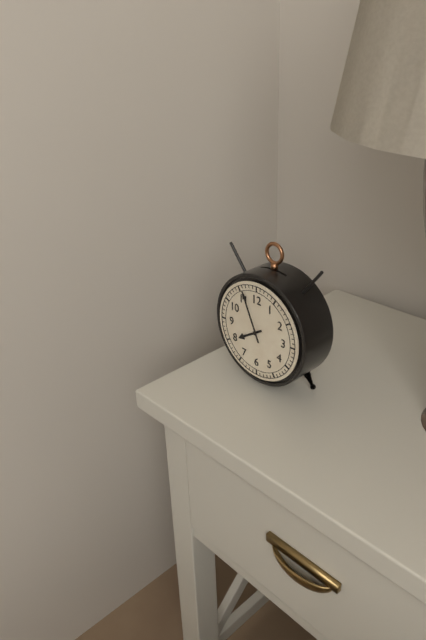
7:56
